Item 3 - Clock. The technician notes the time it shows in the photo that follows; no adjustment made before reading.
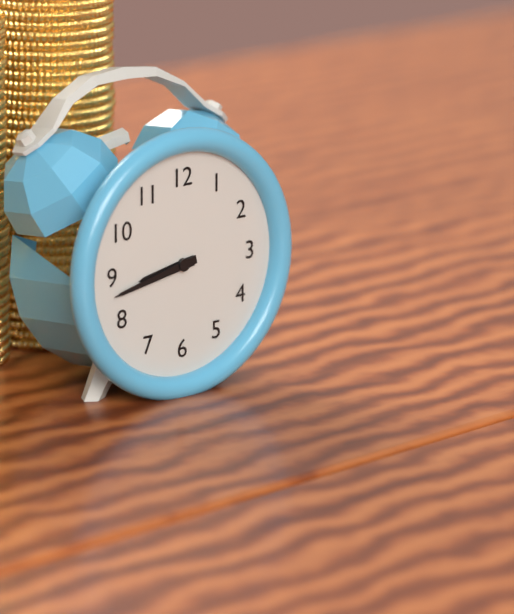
8:43
